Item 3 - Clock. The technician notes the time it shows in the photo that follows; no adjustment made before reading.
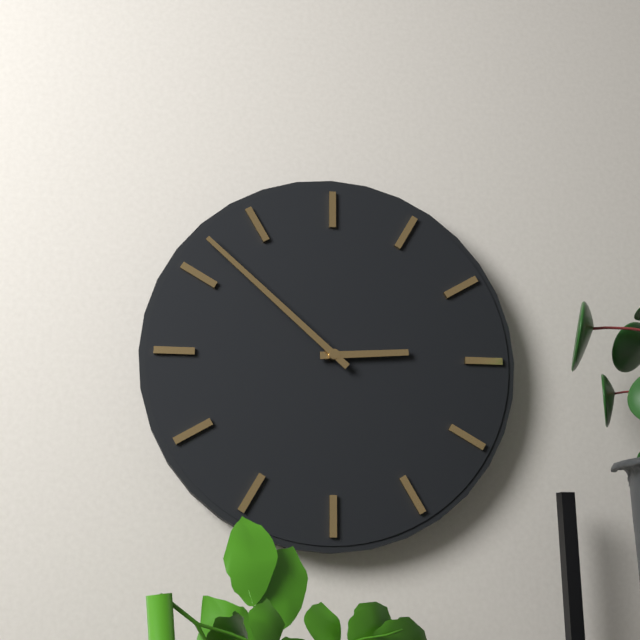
2:52
